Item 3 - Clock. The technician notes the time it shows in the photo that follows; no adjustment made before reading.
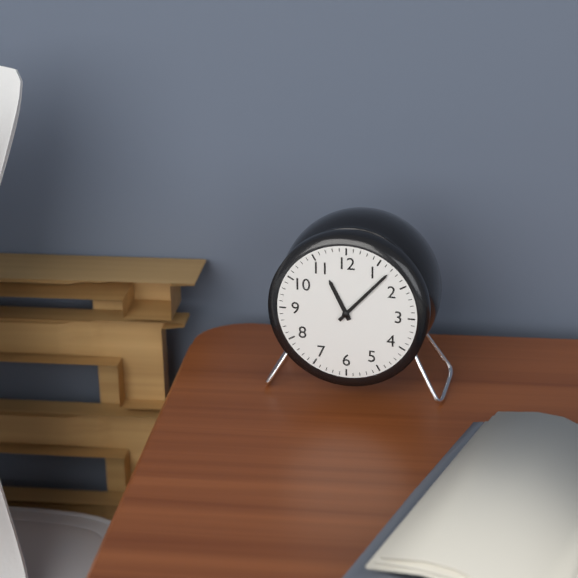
11:07
